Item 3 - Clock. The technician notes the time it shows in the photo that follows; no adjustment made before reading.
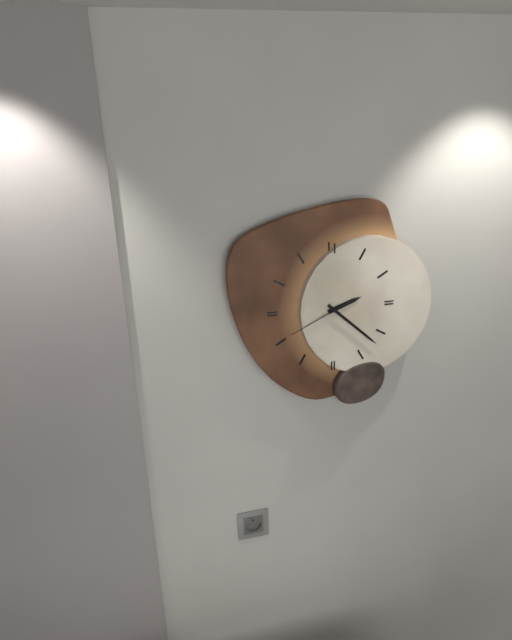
2:22:41
